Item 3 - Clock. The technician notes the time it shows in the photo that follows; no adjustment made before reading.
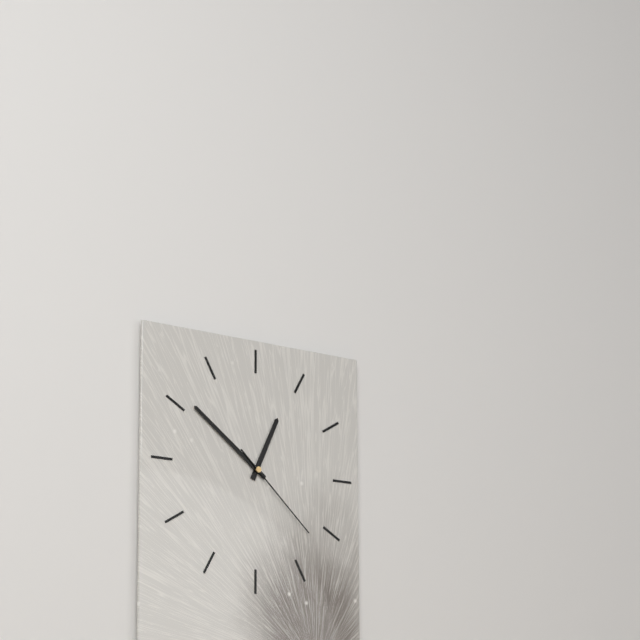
12:51:22
